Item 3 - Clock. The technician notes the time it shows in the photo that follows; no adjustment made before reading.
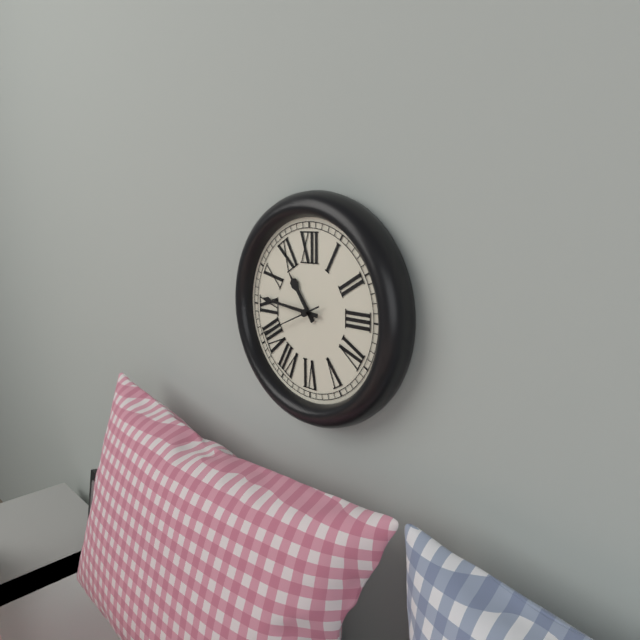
10:46:41
